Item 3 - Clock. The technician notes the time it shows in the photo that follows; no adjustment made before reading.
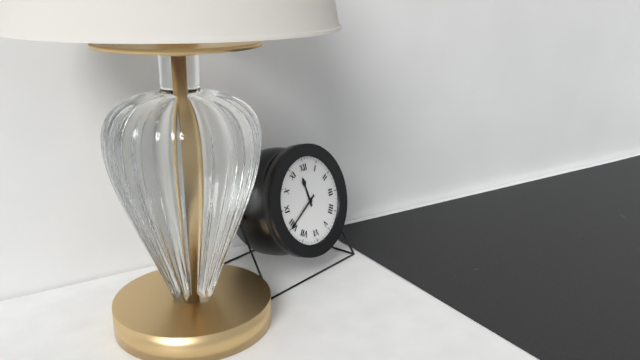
11:40
